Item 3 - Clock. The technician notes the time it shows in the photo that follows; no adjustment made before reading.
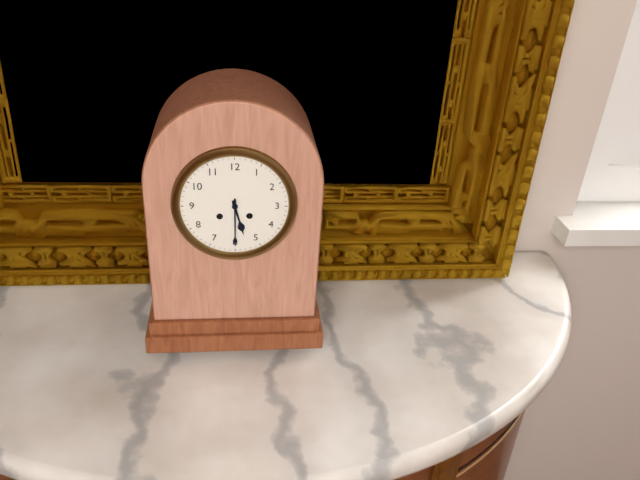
5:30
